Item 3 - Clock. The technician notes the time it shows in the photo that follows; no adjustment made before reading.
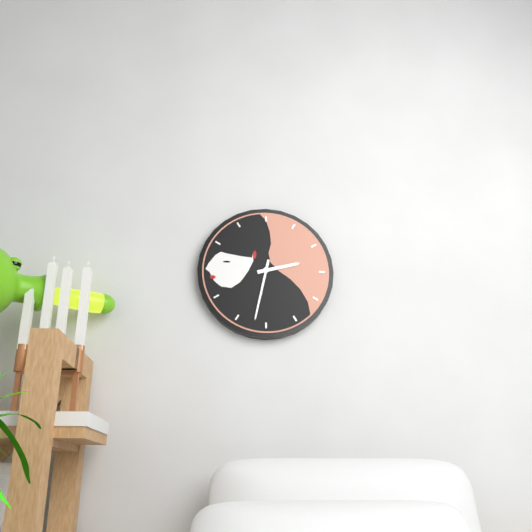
2:32
